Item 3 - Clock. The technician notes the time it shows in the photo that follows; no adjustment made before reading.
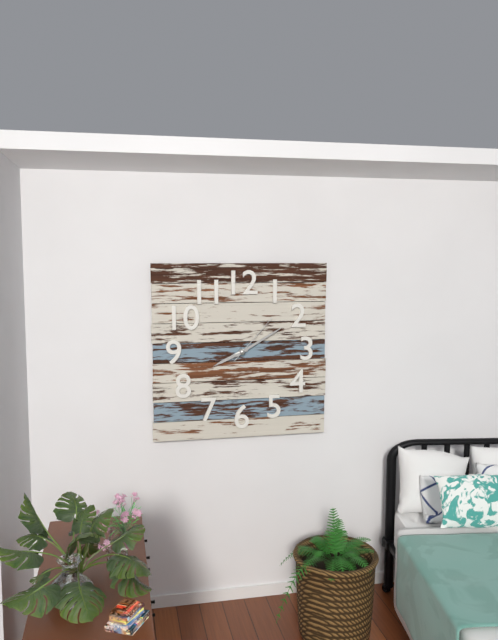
8:10:07
